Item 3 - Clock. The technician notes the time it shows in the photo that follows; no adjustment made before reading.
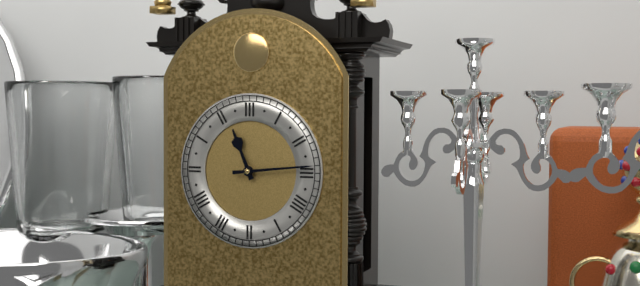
11:14
